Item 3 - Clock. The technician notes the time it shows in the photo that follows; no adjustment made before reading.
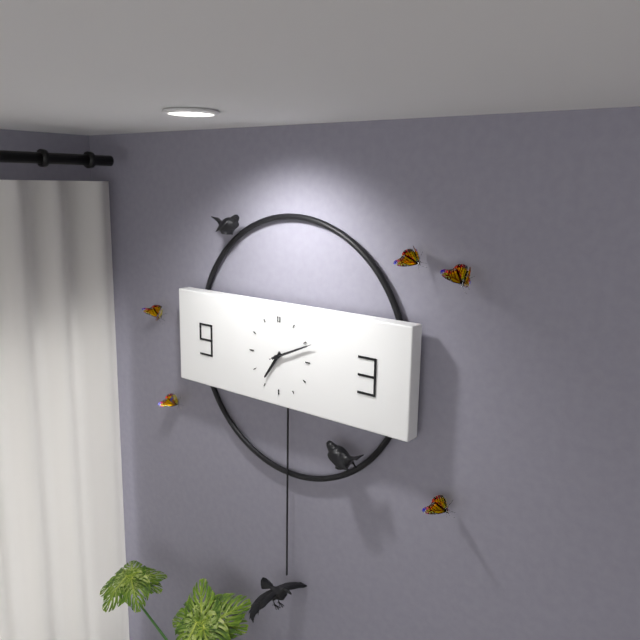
7:11
